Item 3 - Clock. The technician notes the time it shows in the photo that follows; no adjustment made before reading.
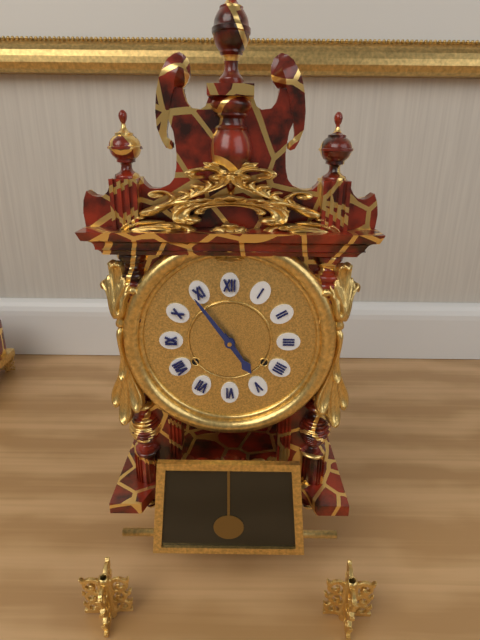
4:54
